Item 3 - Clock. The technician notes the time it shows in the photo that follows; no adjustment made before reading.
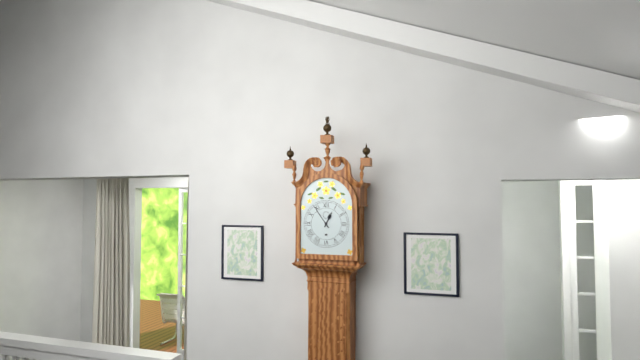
12:54
